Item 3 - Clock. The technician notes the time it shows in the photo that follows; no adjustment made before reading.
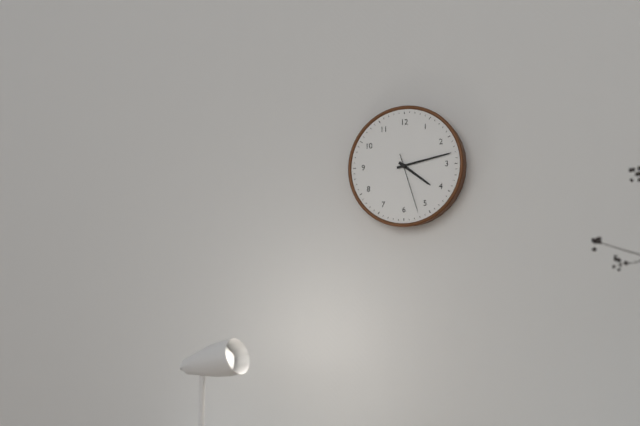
4:13:27
